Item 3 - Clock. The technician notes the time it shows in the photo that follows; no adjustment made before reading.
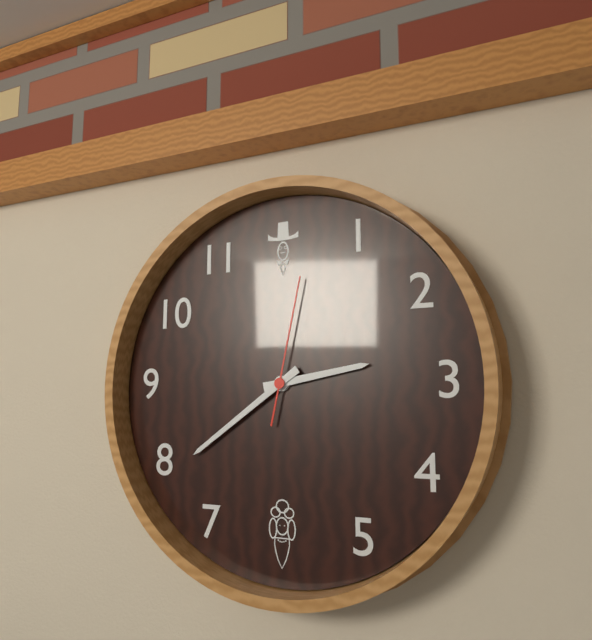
2:39:02
